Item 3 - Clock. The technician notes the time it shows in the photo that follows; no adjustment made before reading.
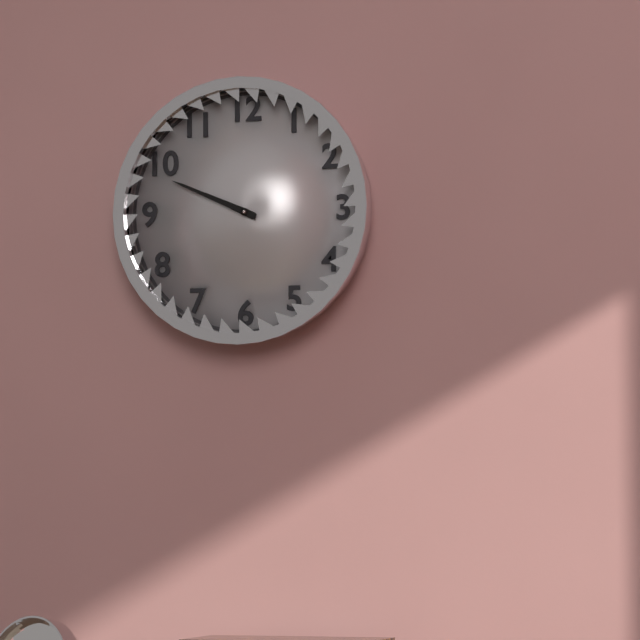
9:49
